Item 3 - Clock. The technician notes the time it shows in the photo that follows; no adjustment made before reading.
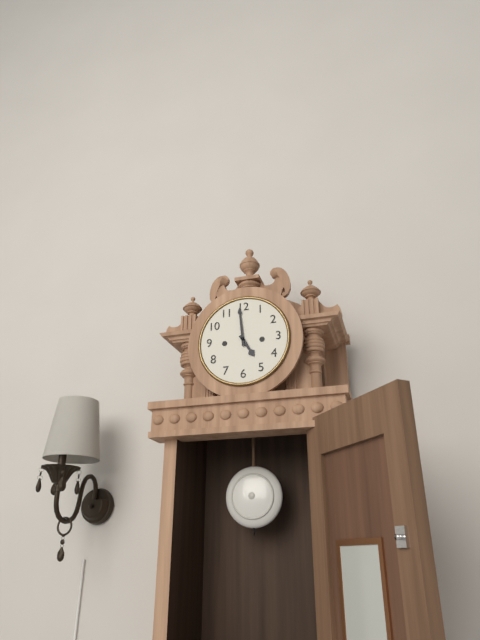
4:59
